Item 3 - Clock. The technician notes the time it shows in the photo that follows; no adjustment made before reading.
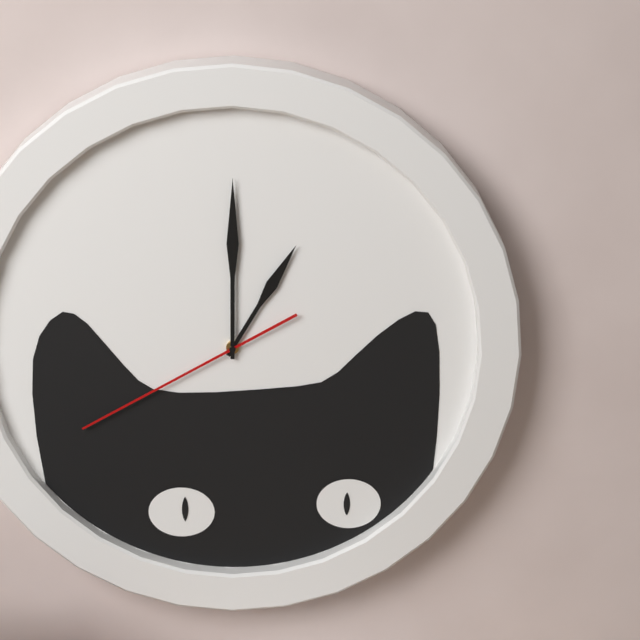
1:00:40
